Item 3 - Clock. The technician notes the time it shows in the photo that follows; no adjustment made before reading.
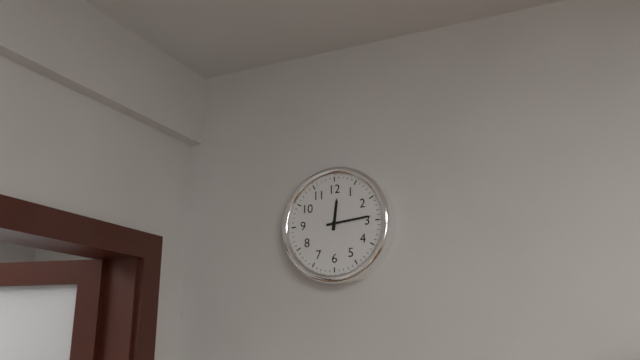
12:14
